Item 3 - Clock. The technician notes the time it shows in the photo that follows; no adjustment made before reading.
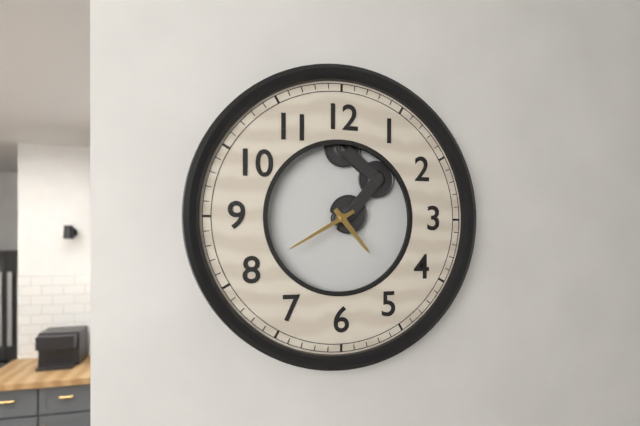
4:40
